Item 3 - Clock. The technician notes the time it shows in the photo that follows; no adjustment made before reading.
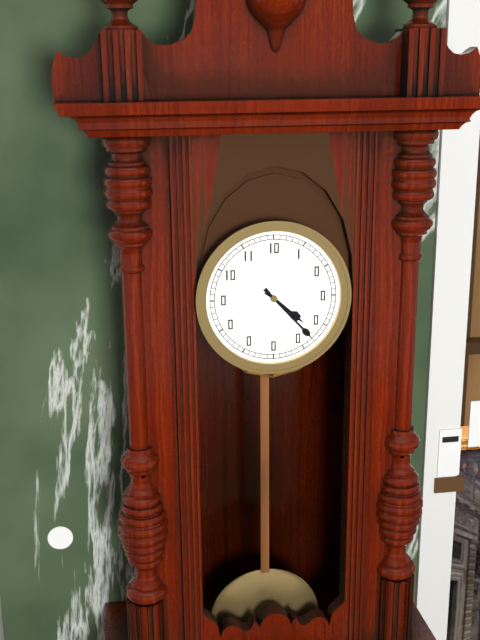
4:23
